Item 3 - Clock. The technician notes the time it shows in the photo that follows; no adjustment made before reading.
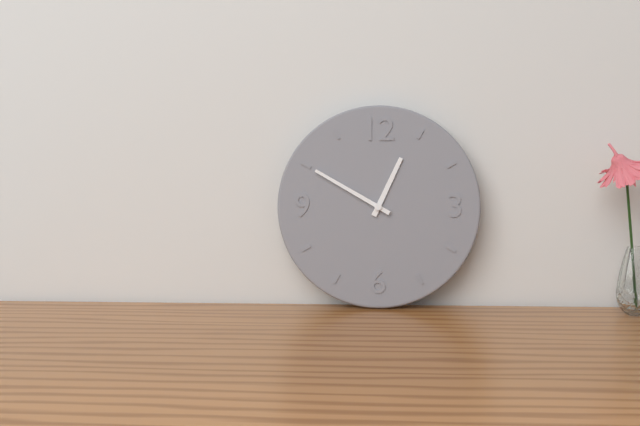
12:50
